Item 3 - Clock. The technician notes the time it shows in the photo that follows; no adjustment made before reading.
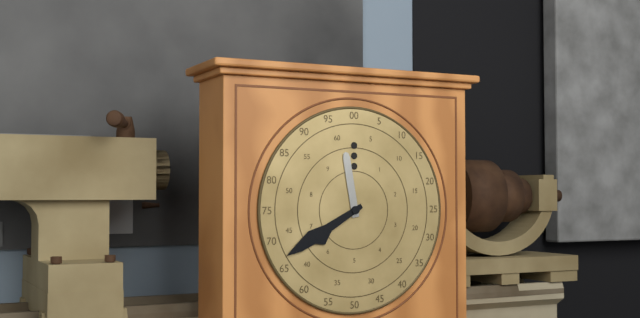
11:40
